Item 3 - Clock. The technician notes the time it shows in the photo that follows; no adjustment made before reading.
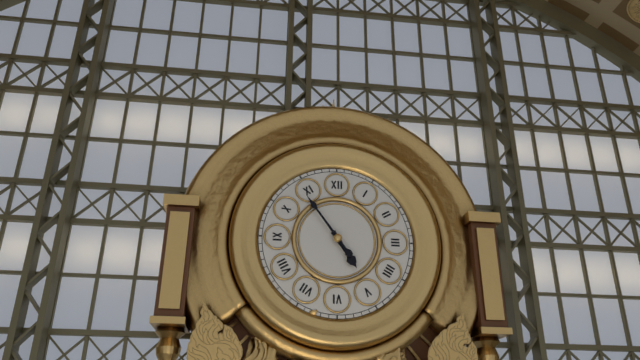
4:54
